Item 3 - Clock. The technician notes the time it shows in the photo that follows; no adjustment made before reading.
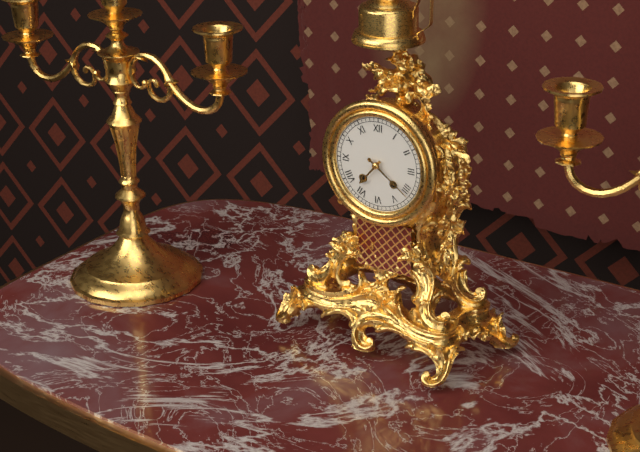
7:21
